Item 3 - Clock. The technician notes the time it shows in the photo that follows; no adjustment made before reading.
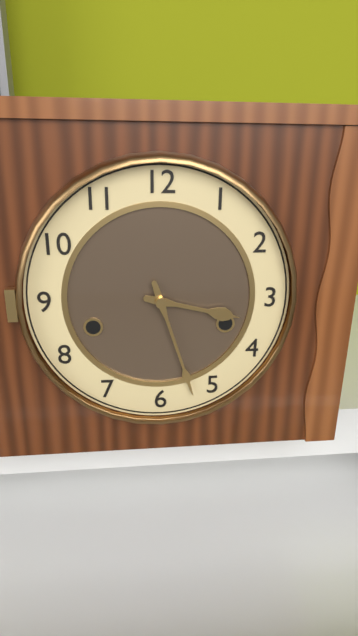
3:27
